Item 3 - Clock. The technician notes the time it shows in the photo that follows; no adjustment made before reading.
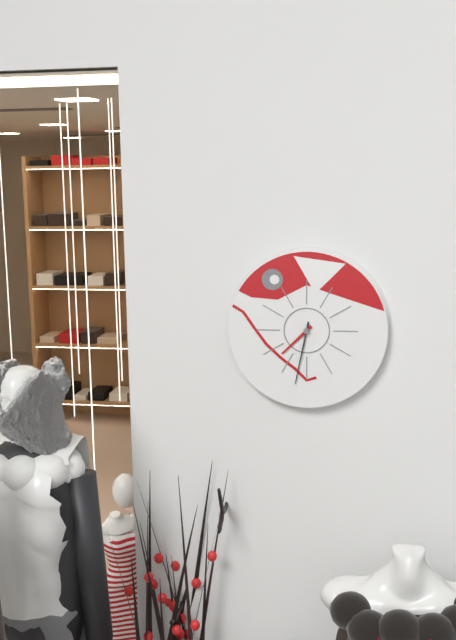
7:32
